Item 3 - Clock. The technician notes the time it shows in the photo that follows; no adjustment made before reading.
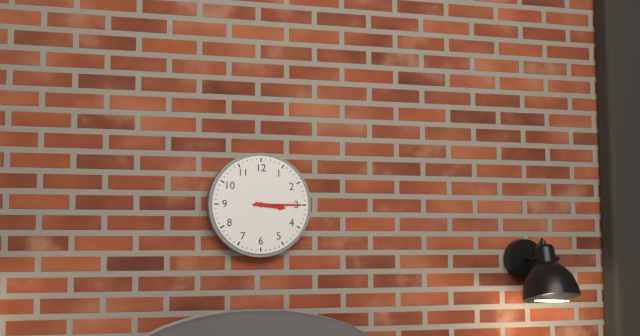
3:15
